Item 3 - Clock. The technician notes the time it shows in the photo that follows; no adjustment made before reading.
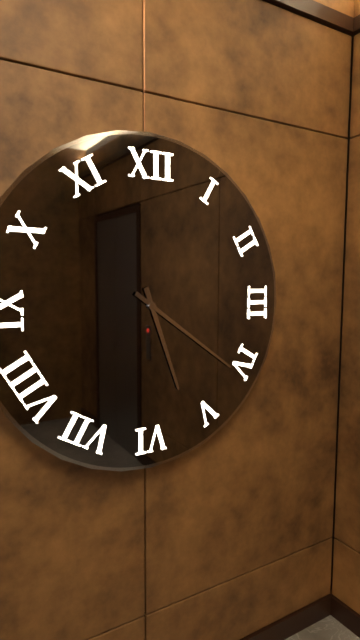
5:21
